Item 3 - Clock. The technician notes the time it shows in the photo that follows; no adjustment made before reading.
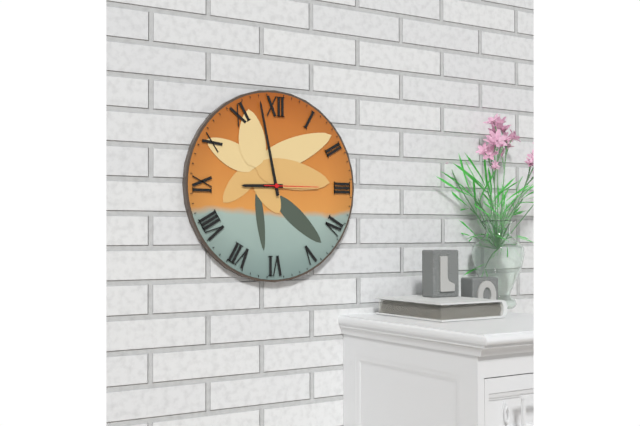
8:58:15
